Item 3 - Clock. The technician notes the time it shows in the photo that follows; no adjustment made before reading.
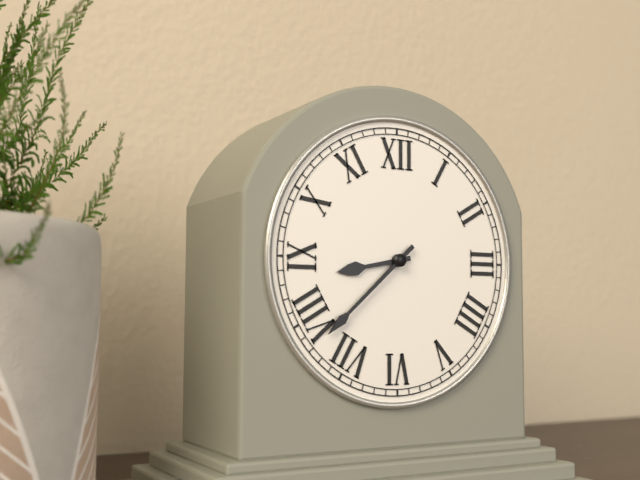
8:38
